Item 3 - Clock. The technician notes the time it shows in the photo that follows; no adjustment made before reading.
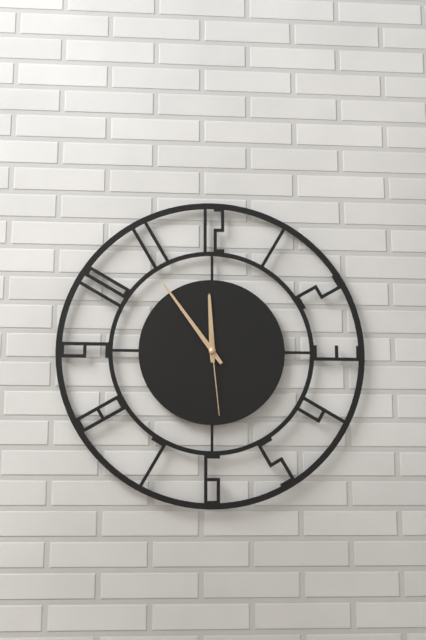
11:54:29
